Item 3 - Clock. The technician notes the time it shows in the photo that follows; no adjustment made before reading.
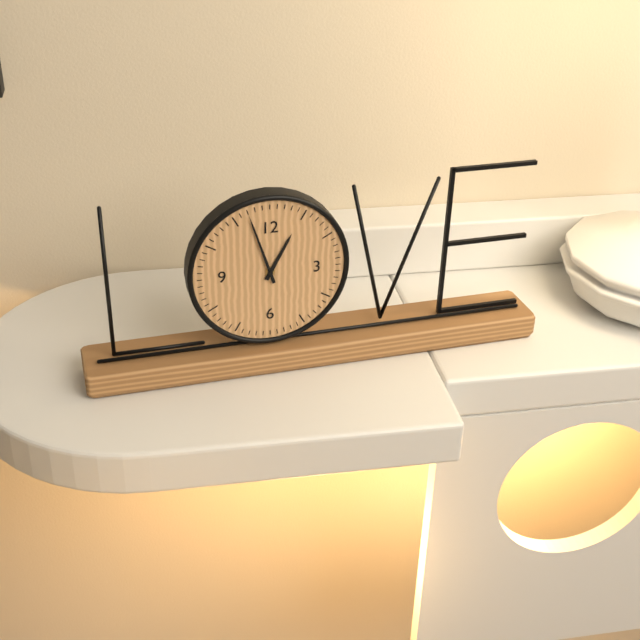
12:57
